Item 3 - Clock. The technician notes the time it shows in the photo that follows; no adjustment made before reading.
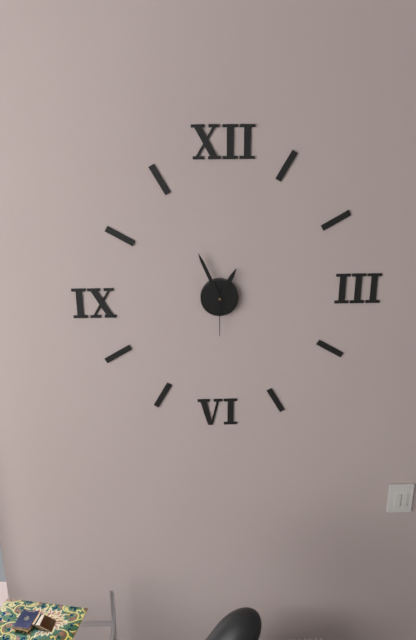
12:56:30
